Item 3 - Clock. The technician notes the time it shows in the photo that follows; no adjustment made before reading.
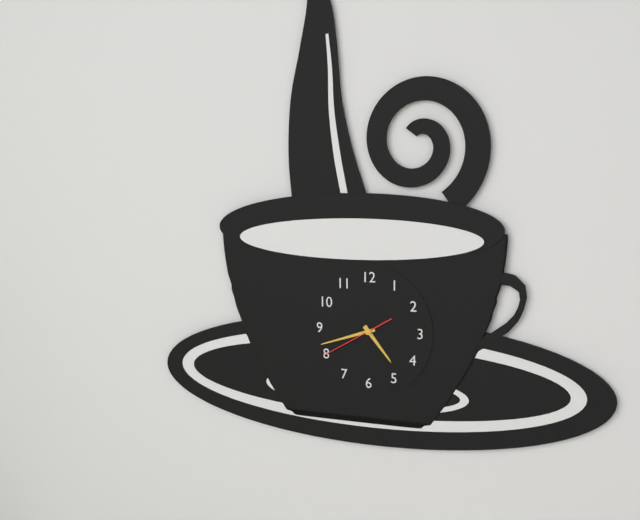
4:42:40
